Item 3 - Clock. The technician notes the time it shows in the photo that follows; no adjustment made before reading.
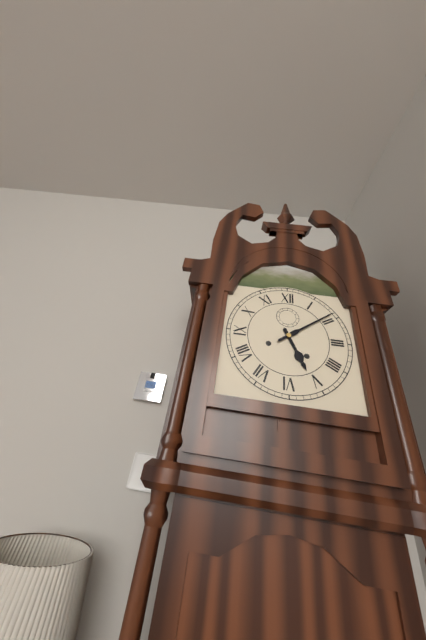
5:09
